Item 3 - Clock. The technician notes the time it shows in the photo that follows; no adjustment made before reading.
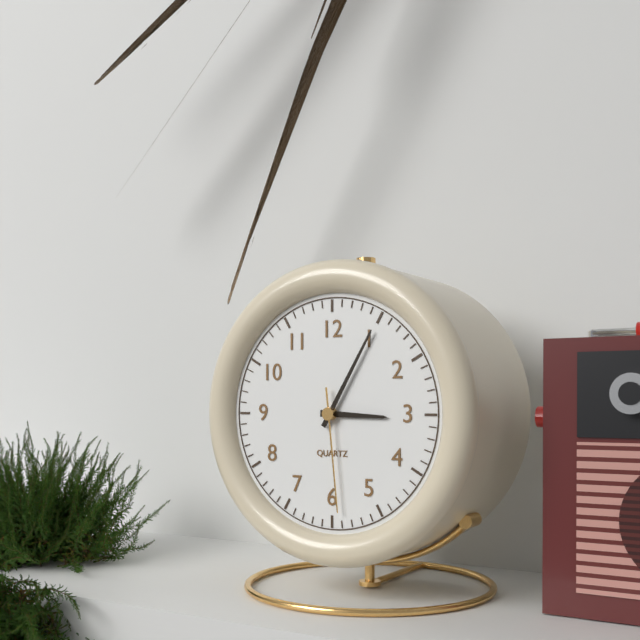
3:05:29
